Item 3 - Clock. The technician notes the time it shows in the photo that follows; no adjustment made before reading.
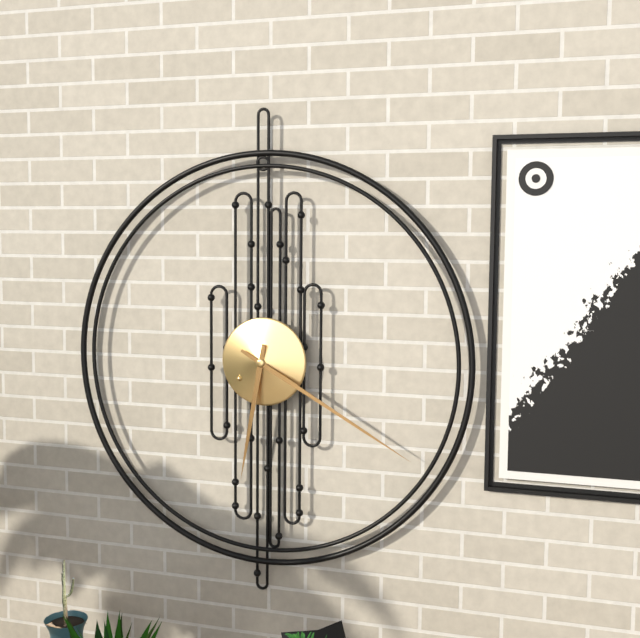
6:20
